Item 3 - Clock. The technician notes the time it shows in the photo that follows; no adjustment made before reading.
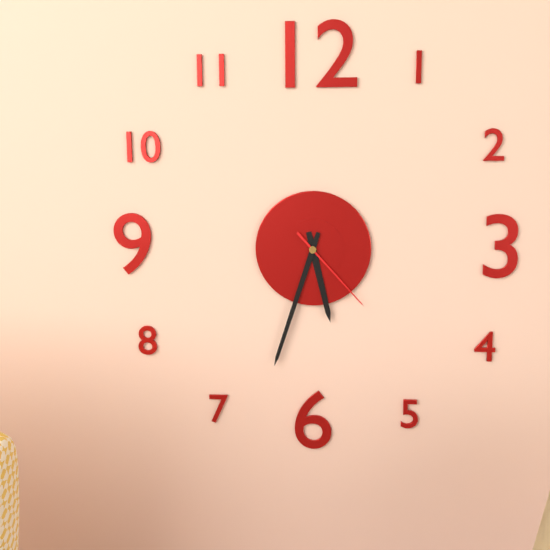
5:33:23
